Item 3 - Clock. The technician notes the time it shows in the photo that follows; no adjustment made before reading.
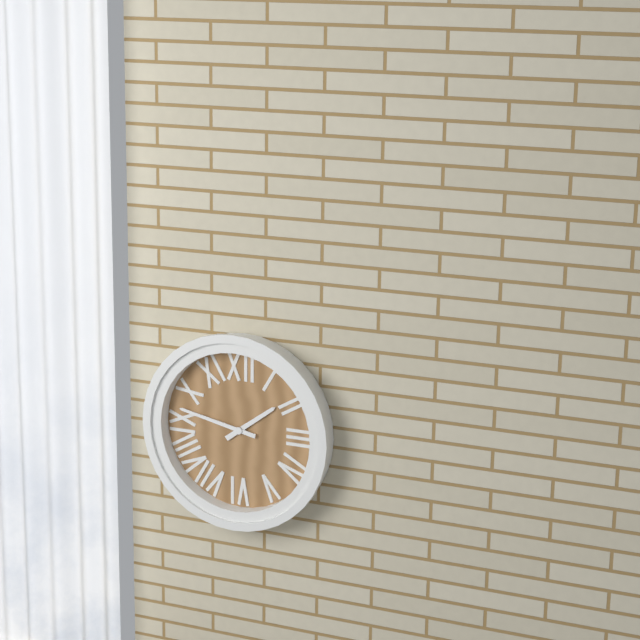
1:47
